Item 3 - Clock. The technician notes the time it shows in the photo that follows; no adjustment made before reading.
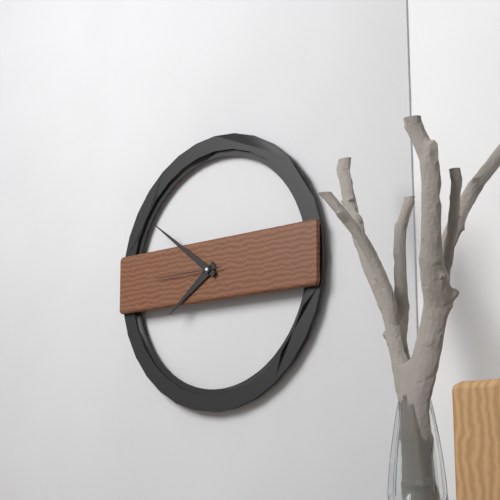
7:51:45
